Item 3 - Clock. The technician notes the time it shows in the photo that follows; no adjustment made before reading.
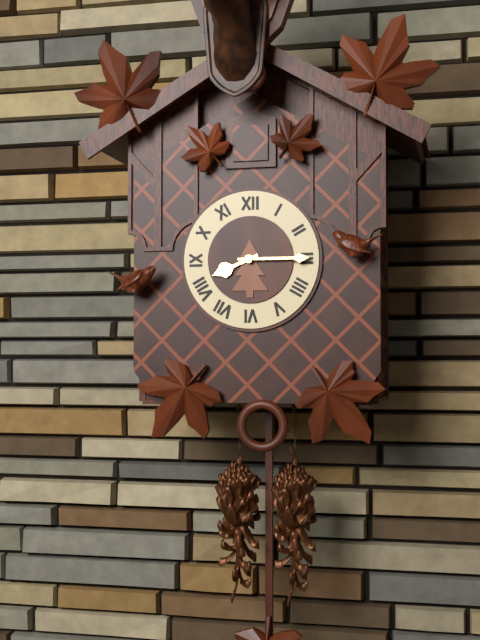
8:15
